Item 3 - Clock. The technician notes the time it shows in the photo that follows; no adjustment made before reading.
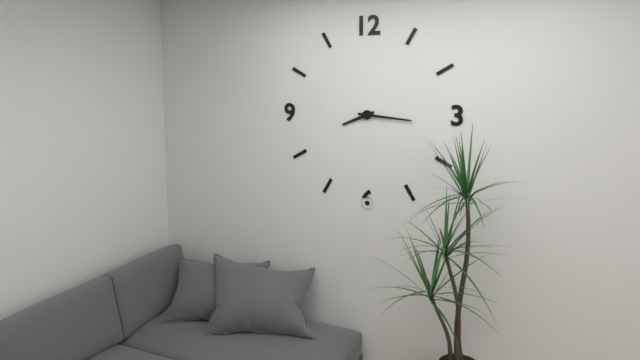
8:16
